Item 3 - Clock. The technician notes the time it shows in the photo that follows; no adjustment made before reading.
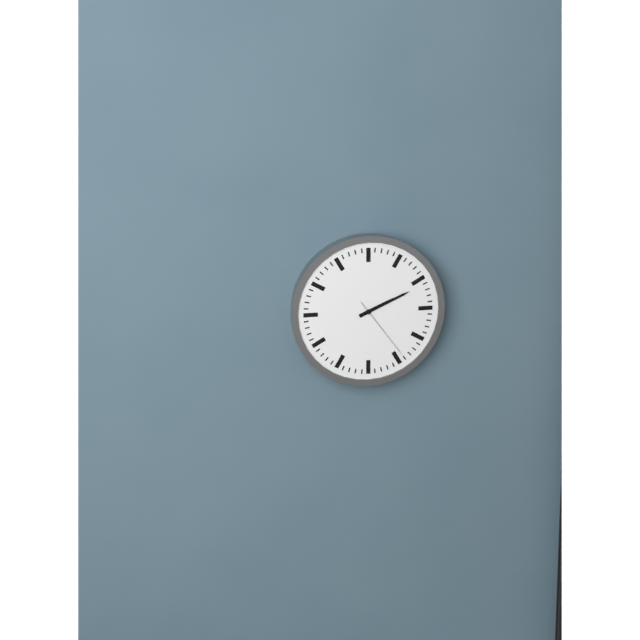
2:11:24
